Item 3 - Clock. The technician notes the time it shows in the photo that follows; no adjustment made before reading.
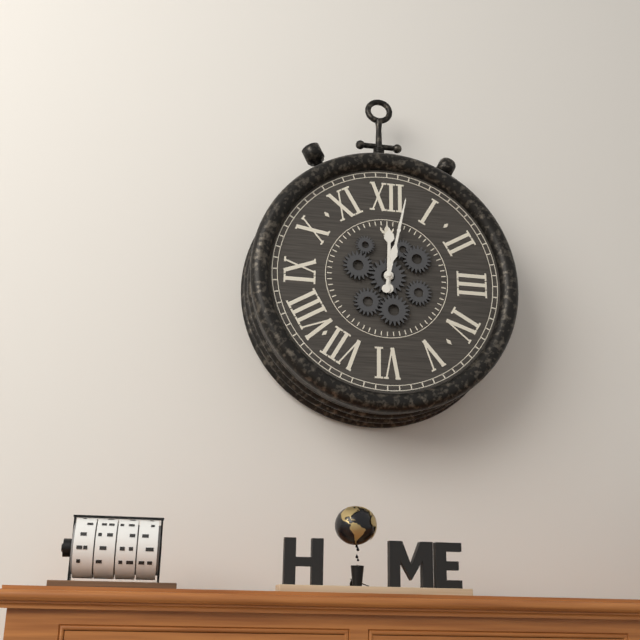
12:02
